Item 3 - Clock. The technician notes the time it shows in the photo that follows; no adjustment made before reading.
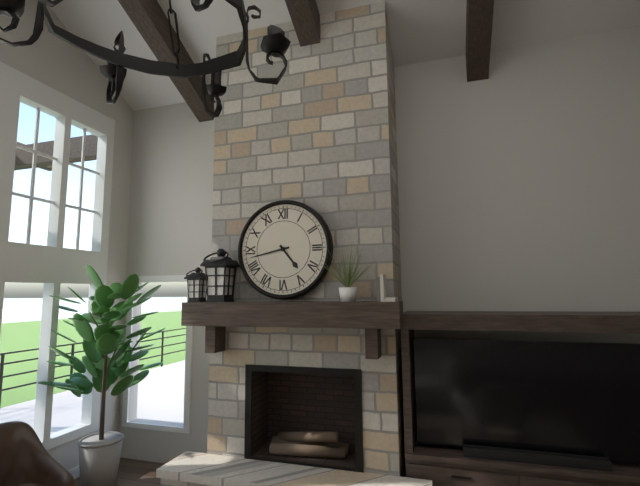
4:43
